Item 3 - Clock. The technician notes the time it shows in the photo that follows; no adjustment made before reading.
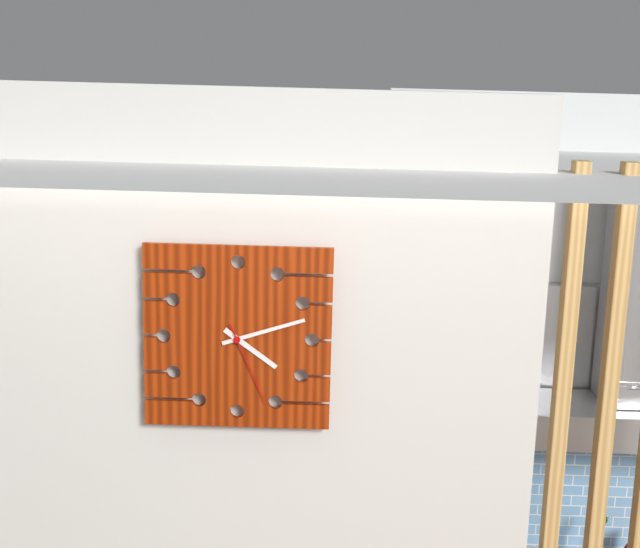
4:12:26
